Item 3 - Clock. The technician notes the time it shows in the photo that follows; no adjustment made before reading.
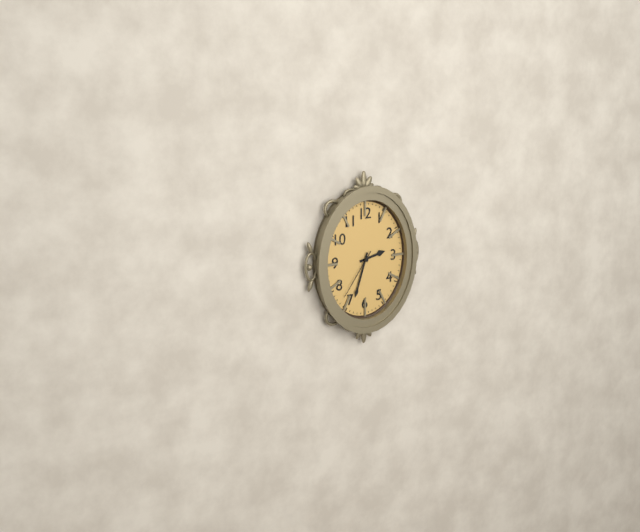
2:33:36
